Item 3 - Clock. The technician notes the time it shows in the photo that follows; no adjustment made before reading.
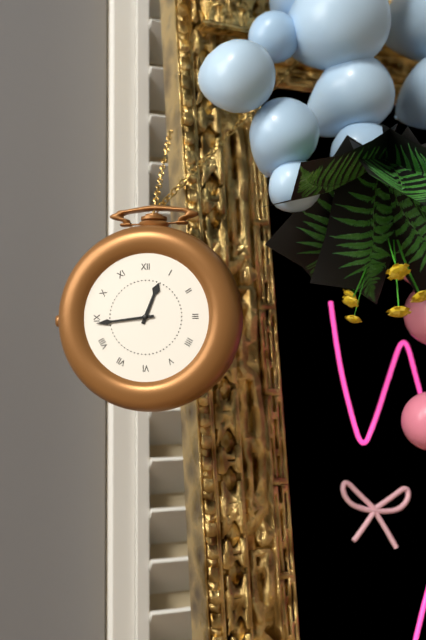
12:44
